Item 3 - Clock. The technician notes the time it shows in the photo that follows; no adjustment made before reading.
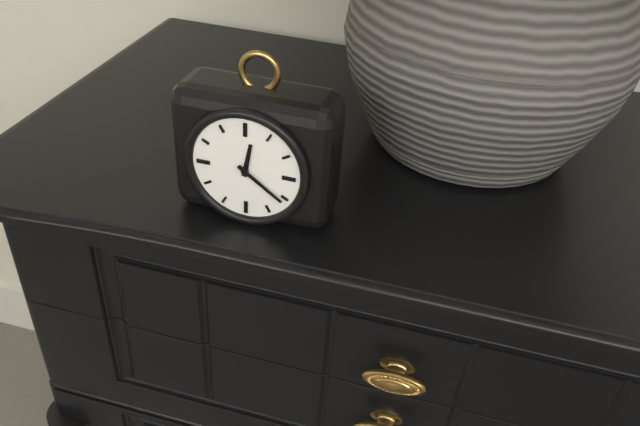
12:21
